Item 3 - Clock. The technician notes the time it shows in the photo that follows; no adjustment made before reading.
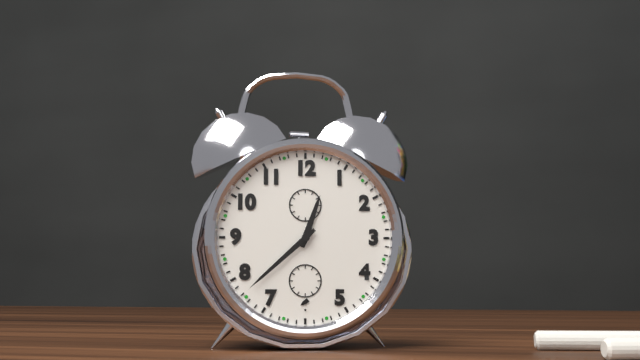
12:38
